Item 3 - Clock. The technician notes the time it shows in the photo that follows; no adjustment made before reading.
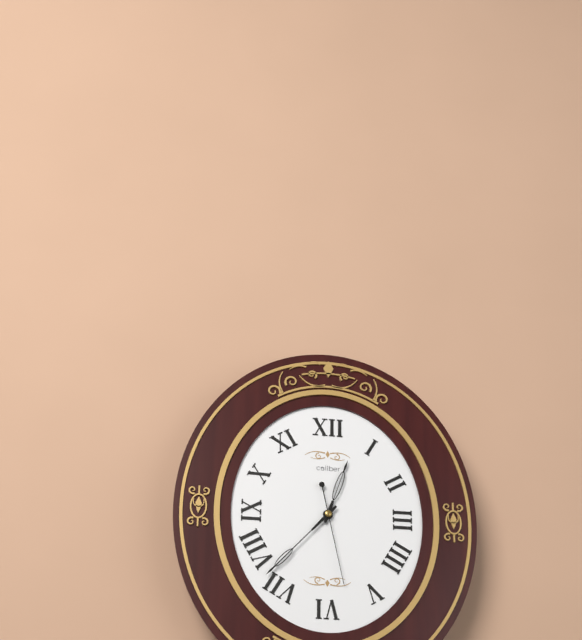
12:37:28
